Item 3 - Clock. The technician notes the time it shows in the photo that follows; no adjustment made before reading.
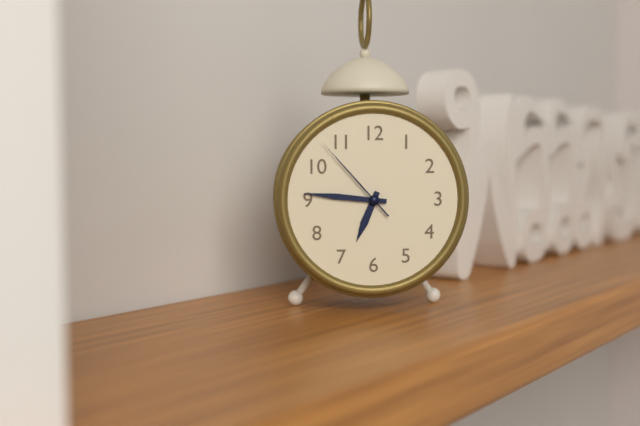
6:46:53
